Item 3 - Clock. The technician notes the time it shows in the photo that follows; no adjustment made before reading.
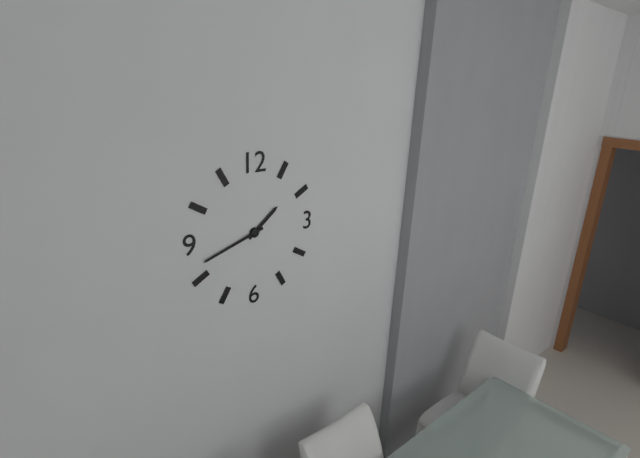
1:42
